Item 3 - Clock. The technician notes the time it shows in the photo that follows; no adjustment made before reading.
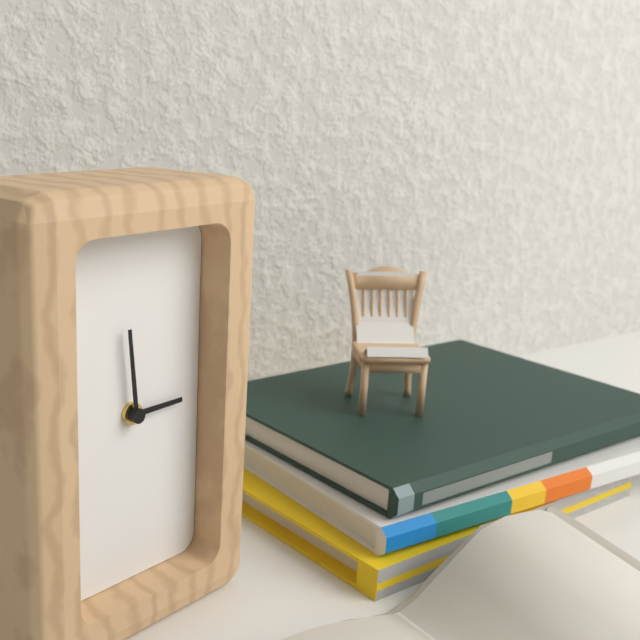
2:59
